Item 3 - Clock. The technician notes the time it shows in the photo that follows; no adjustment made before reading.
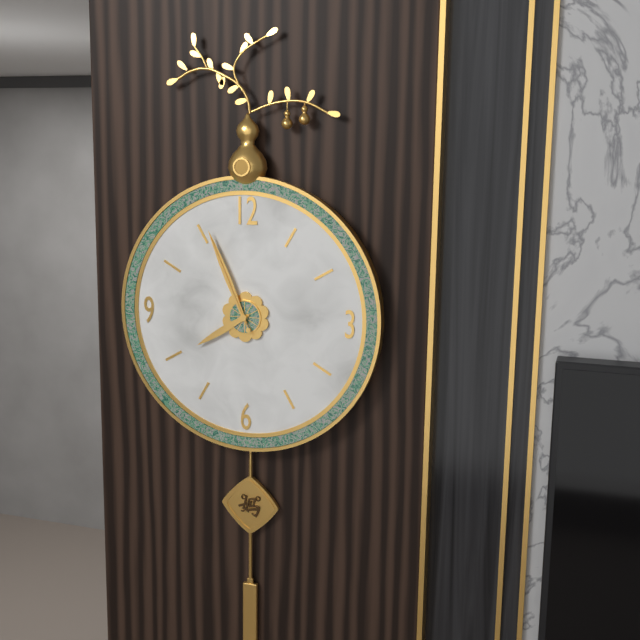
7:56:56
